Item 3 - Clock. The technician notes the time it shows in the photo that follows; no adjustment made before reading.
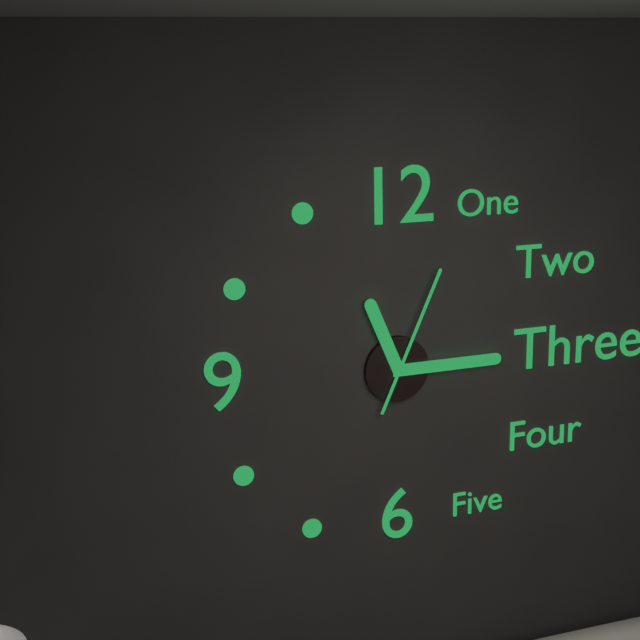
11:15:04
